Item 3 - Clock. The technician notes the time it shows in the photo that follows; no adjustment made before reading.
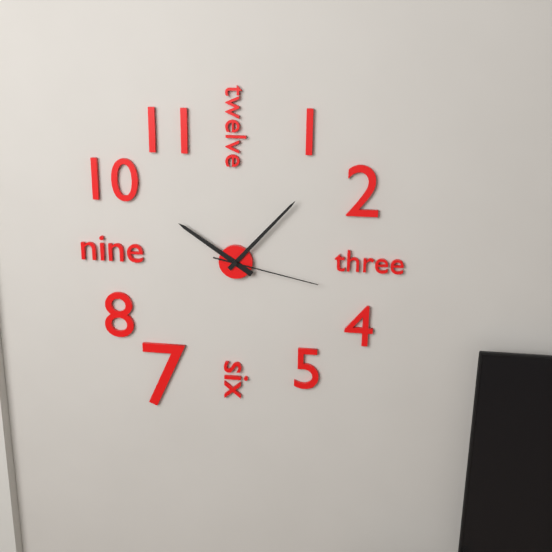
10:07:17
